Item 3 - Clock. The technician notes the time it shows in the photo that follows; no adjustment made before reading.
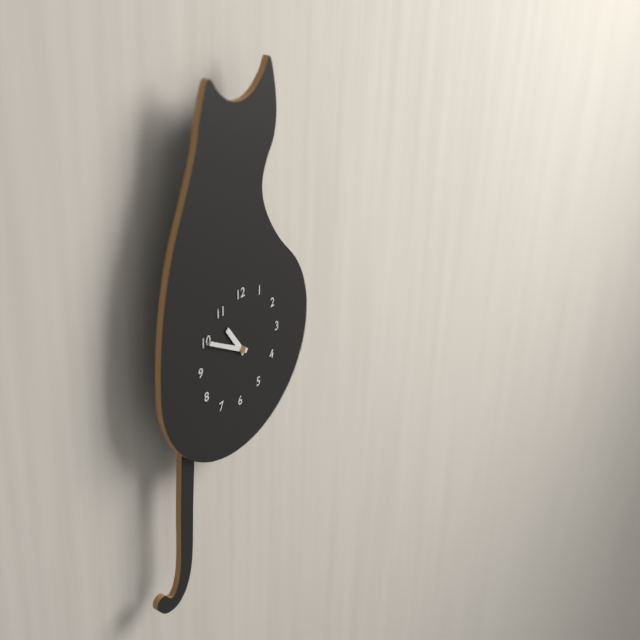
10:50
